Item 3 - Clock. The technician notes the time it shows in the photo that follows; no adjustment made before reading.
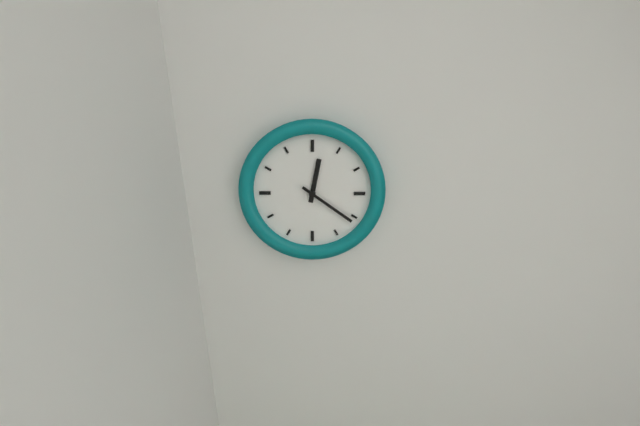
12:21
